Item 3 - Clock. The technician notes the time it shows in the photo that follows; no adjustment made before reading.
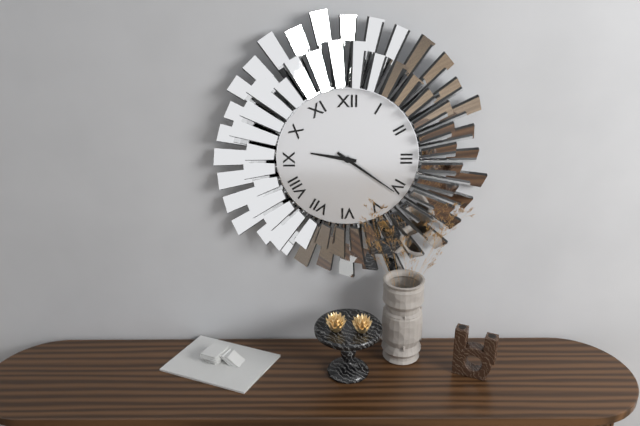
9:21
